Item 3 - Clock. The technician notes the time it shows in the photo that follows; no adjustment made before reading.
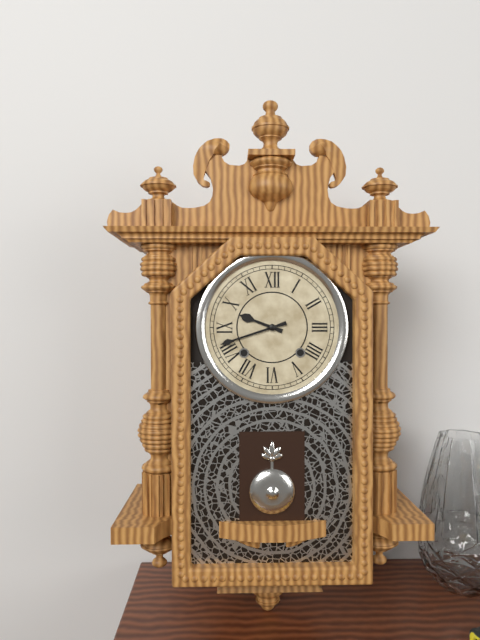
9:42
